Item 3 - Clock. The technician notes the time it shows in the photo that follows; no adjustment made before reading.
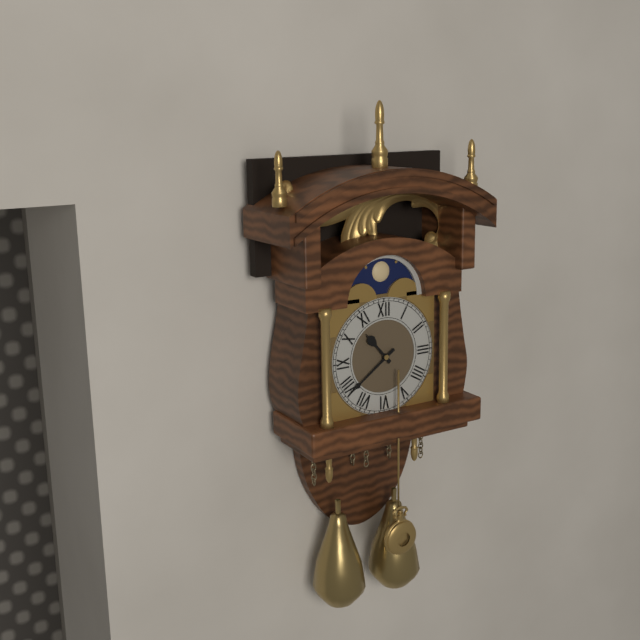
10:39
